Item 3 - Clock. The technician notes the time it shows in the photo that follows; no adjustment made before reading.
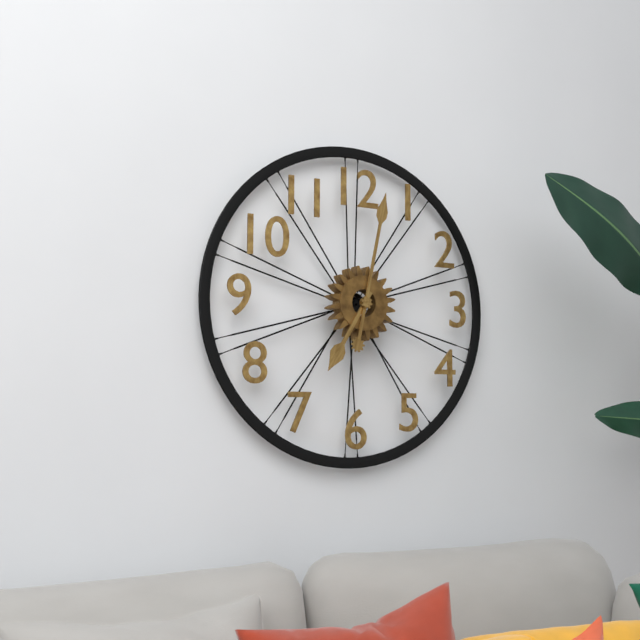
7:02
